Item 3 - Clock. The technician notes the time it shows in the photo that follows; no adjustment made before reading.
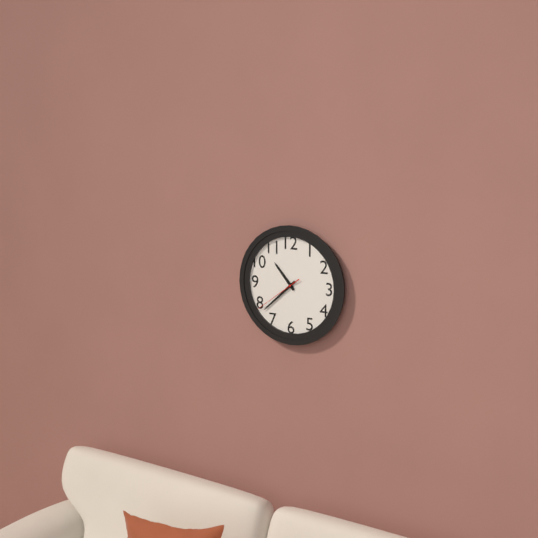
10:38:39
